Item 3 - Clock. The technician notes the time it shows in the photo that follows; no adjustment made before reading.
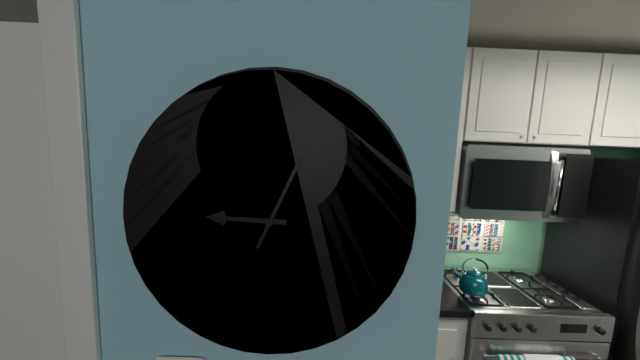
9:04
